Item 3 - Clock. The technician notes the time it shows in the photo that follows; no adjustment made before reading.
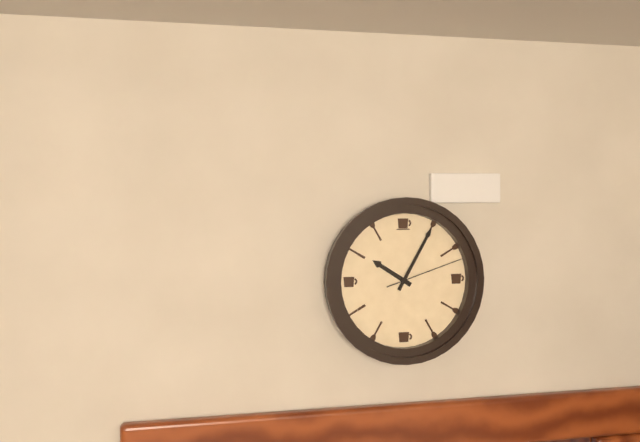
10:05:12
